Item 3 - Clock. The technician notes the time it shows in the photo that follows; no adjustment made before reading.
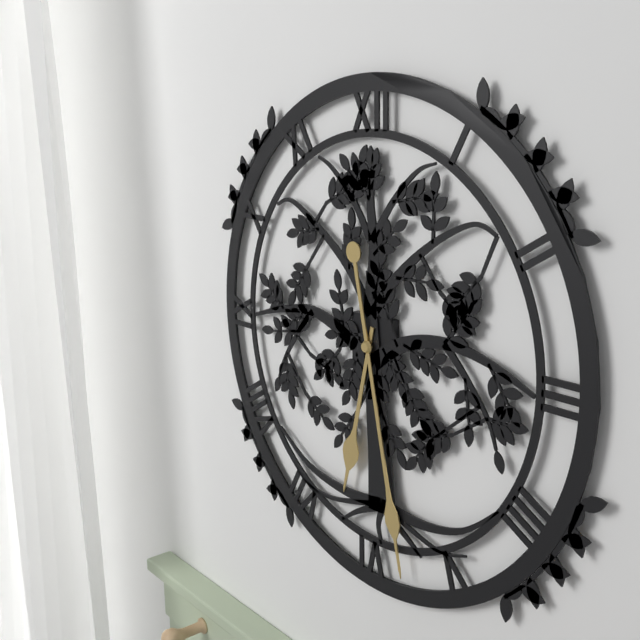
6:28
